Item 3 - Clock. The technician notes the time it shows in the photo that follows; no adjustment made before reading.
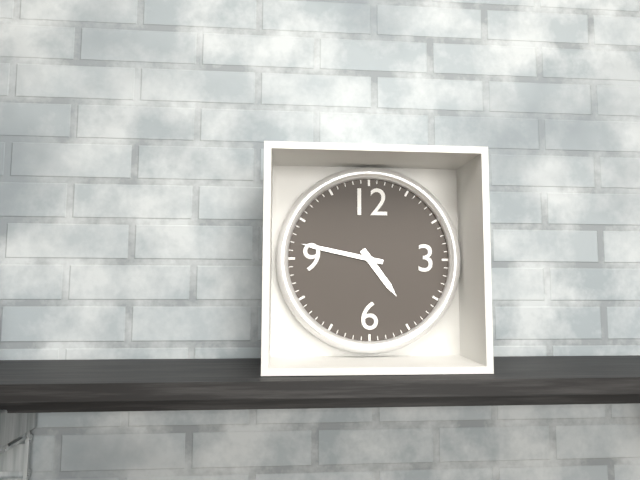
4:47
